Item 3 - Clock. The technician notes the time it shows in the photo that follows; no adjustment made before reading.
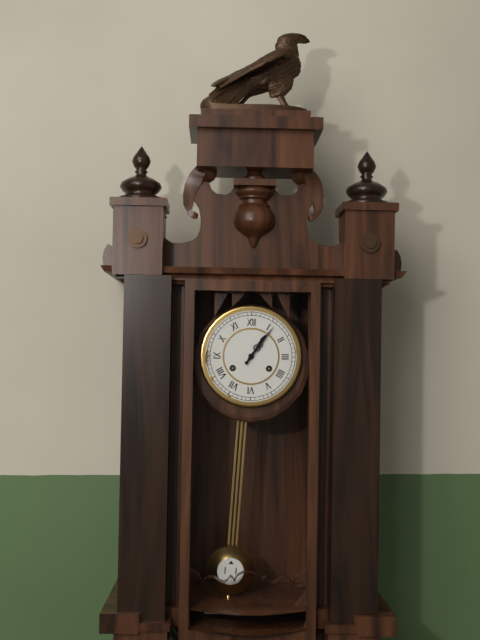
1:06
